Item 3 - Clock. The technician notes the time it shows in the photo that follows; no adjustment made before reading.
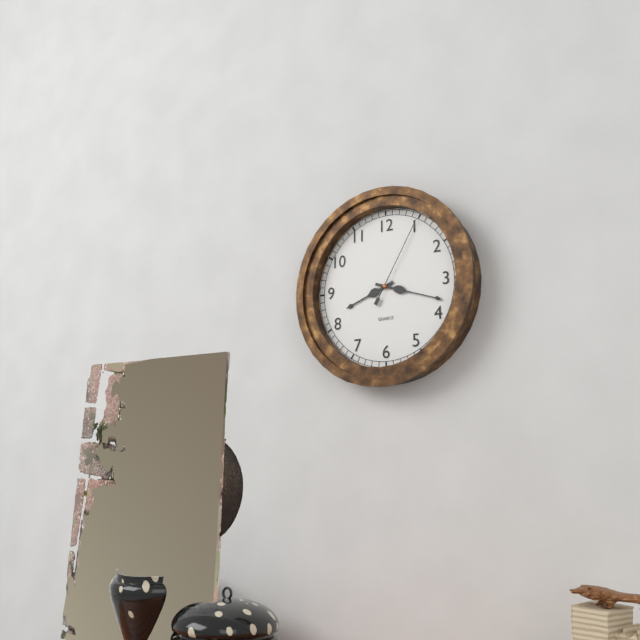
8:18:05
